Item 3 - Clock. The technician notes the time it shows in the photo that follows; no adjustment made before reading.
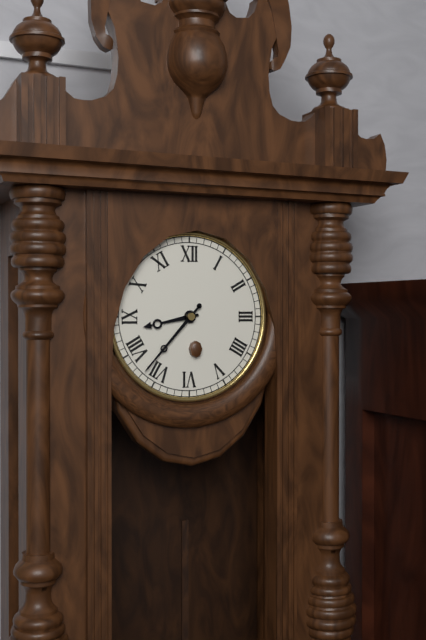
8:37
